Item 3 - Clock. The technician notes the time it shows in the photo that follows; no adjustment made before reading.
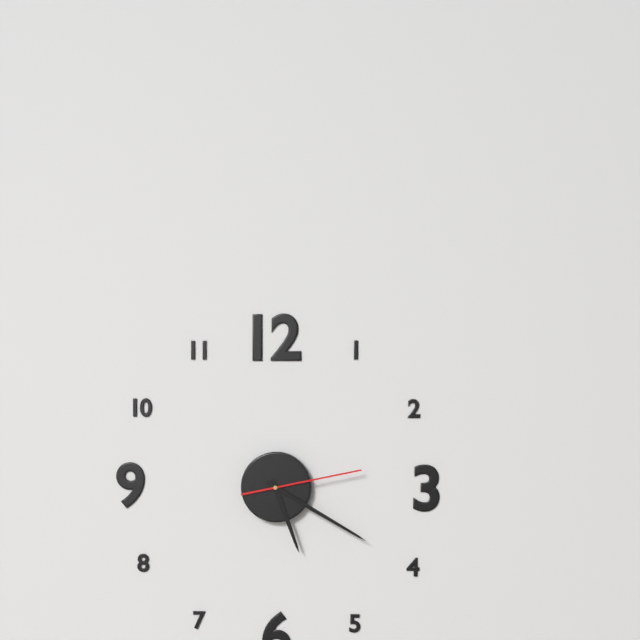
5:20:13
